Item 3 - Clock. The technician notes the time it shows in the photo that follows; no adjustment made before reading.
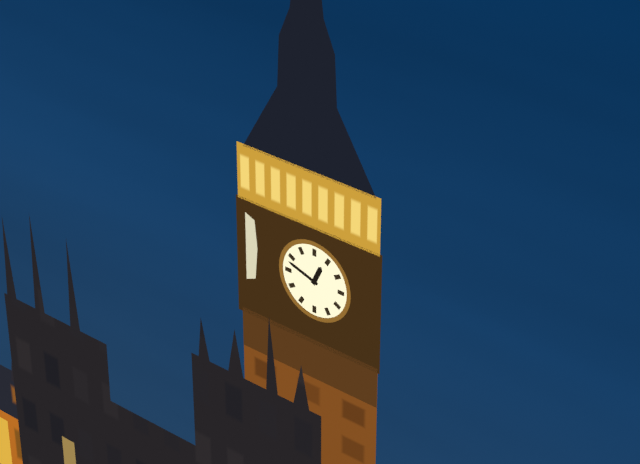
12:48
